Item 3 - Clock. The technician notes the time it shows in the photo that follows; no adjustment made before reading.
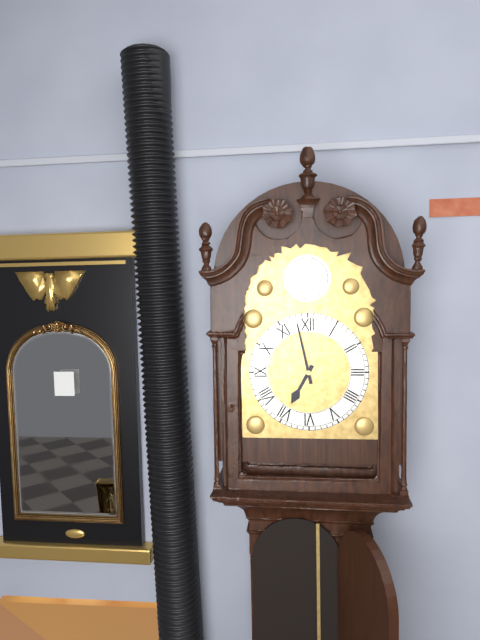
6:58
